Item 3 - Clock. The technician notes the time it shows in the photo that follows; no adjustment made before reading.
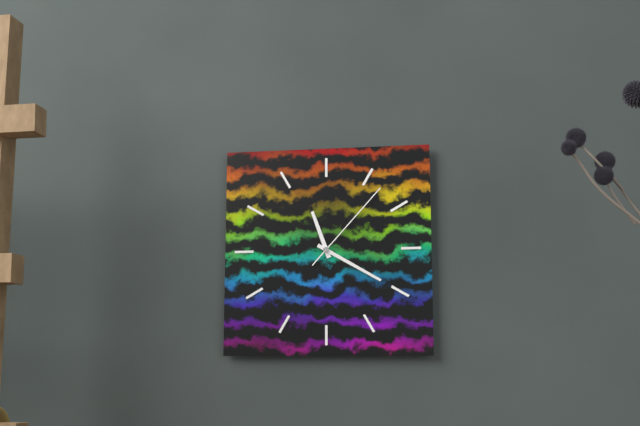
11:20:07
